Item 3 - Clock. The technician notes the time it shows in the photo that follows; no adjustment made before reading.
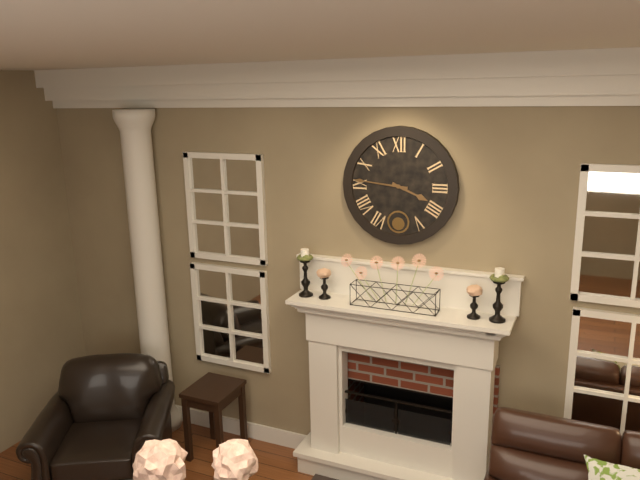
3:46
